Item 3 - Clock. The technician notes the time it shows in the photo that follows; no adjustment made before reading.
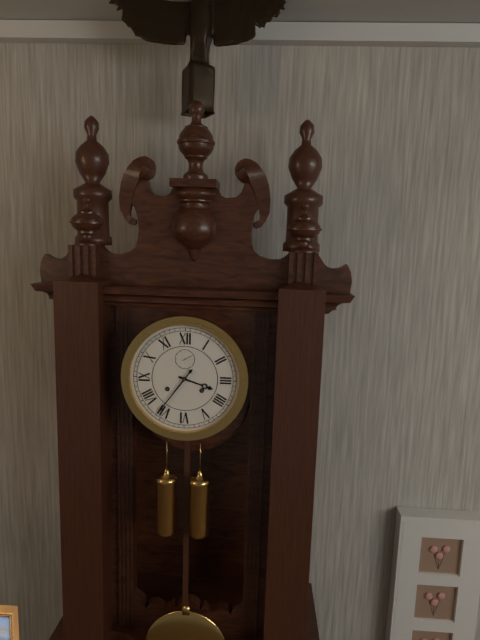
3:36
